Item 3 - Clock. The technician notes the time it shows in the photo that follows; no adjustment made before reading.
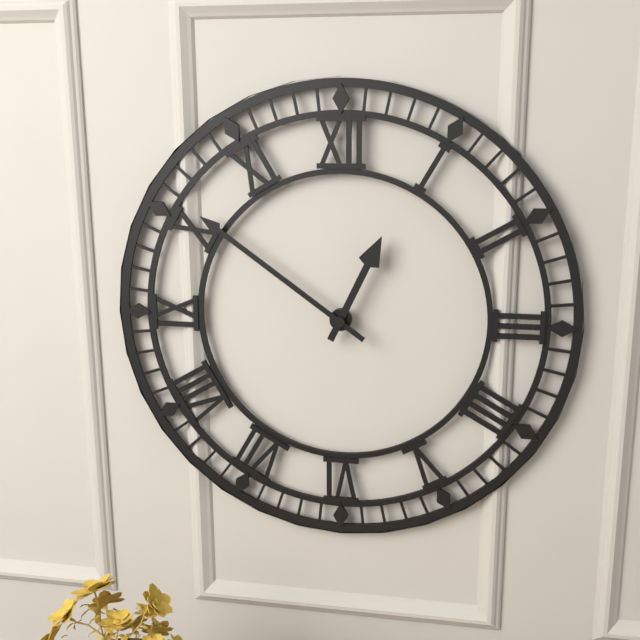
12:51
